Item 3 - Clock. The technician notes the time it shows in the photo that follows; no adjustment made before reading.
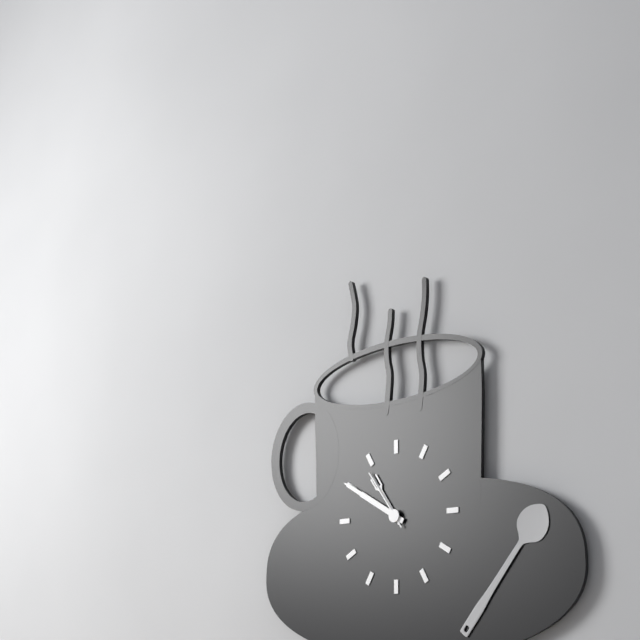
10:50:54
